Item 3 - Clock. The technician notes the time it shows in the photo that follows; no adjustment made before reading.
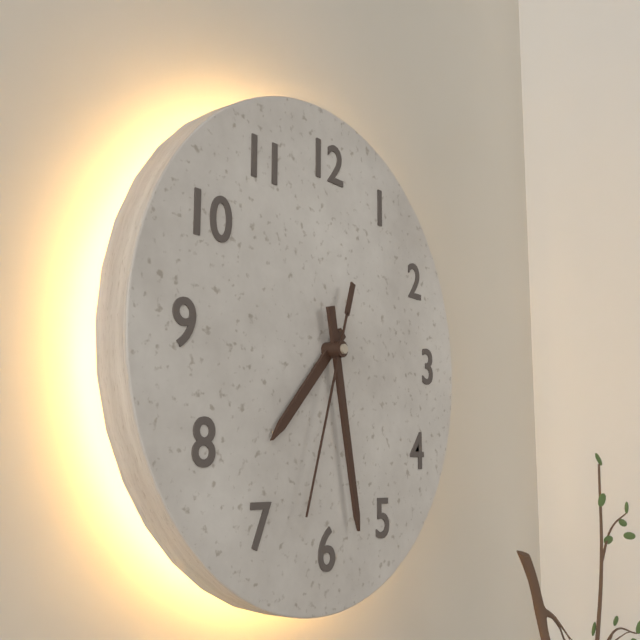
7:28:33
